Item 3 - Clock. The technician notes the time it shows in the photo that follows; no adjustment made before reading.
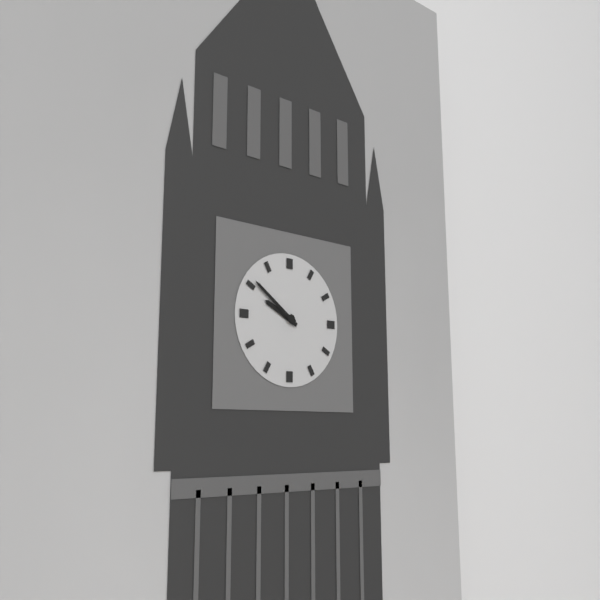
9:51
